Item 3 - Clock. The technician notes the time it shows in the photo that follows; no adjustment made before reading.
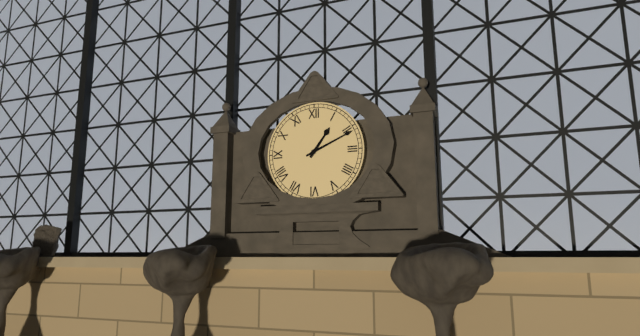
1:11
